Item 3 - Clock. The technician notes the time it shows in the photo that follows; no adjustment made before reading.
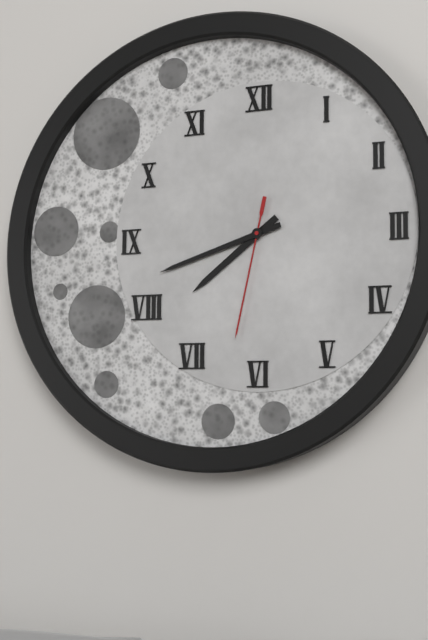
7:42:32
